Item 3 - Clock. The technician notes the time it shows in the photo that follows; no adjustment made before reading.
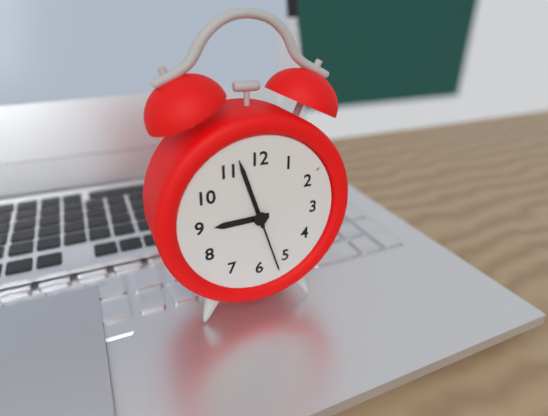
8:57:27
